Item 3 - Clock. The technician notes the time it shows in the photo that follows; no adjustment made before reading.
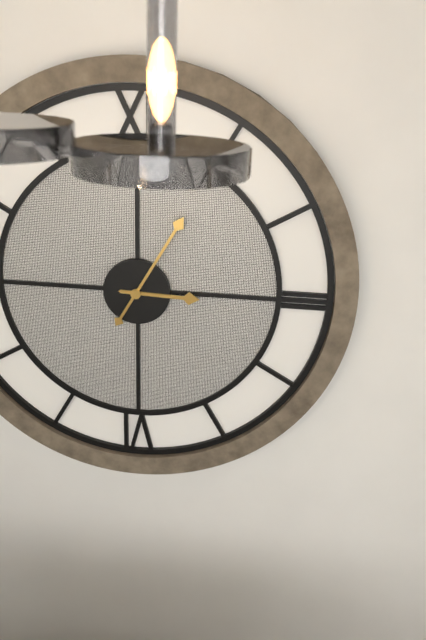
3:05
